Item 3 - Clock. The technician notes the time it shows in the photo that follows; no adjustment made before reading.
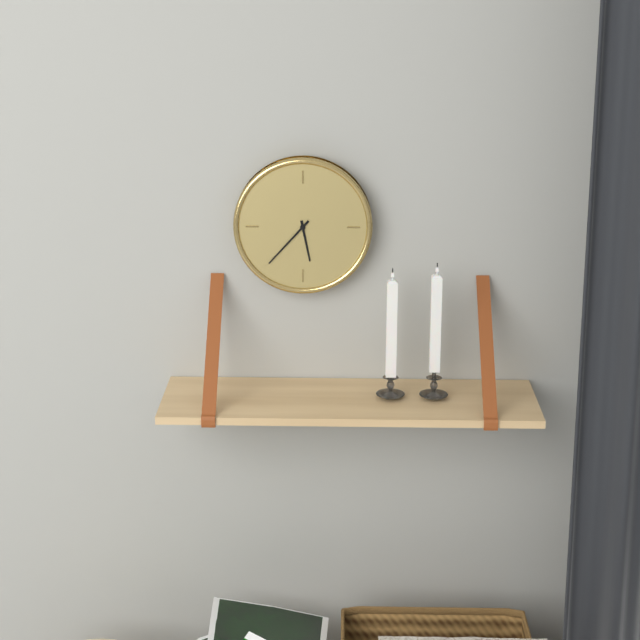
5:37
